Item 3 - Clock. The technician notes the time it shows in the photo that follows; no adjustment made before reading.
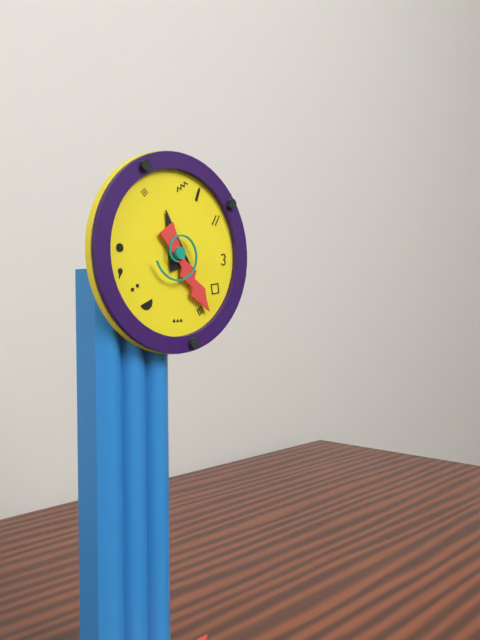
11:24
